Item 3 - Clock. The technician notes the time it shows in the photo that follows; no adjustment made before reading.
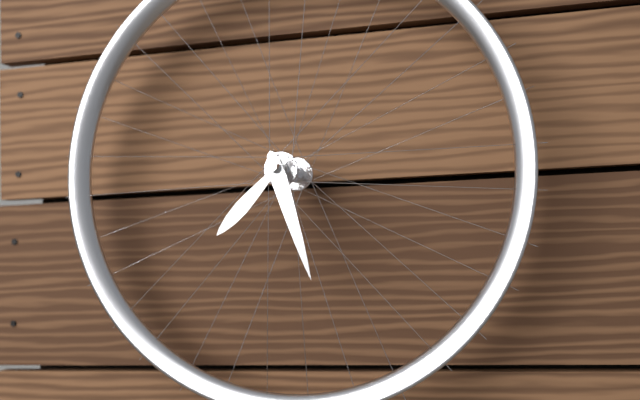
7:27
